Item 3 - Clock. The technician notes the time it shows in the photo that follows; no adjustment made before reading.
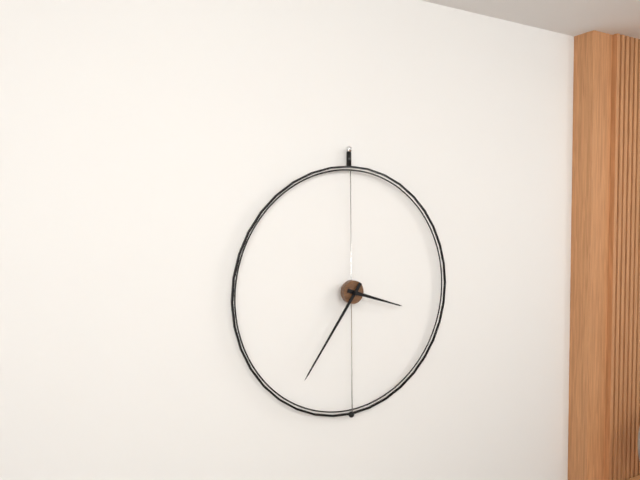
3:36
